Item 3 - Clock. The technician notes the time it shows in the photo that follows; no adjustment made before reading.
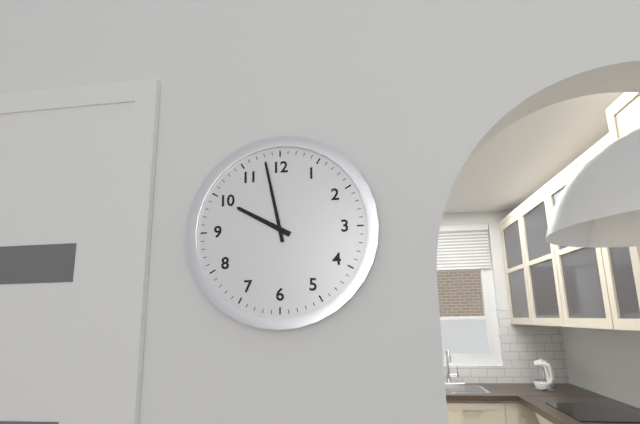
9:58
